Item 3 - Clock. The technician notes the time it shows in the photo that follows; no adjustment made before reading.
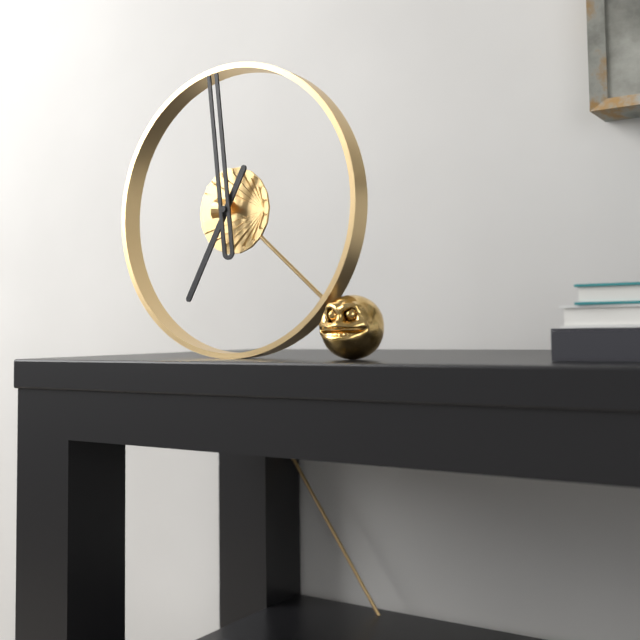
6:59
